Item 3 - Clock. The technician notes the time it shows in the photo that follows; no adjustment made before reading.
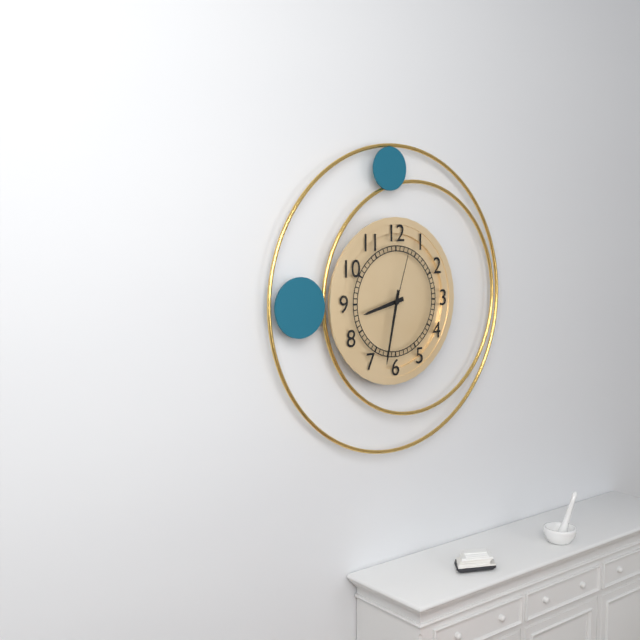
8:32:03
